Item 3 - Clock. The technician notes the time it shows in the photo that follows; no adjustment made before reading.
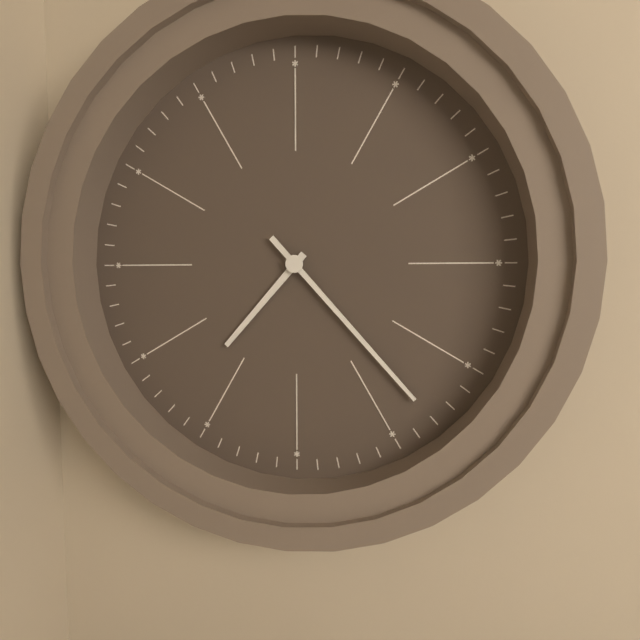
7:23
